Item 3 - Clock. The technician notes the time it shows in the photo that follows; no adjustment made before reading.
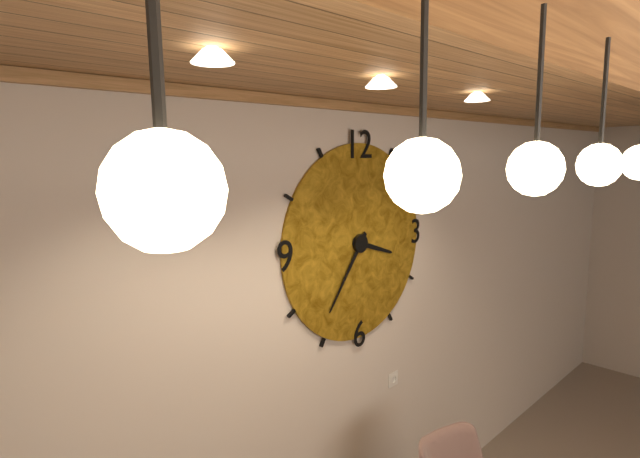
3:36
